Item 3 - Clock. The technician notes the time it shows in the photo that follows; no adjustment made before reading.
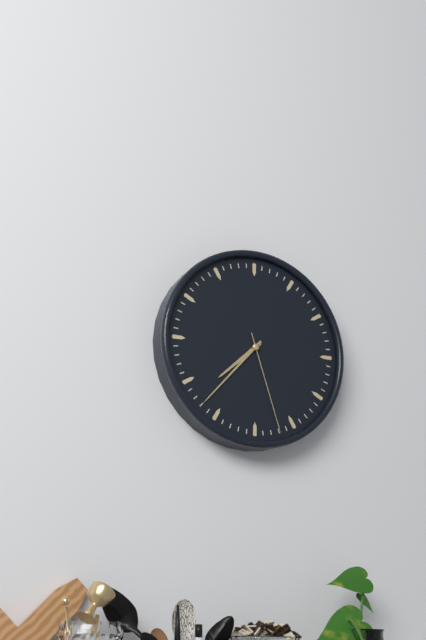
7:37:27
